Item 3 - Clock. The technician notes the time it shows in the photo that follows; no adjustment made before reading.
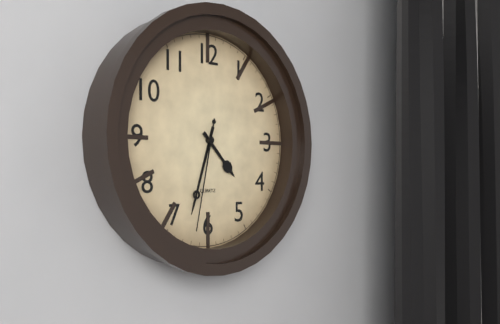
4:33:32
